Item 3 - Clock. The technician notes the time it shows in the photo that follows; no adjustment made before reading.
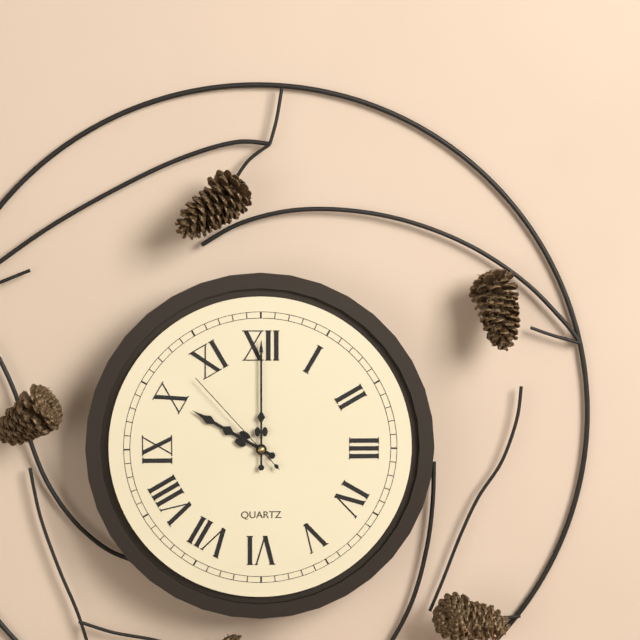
10:00:53
